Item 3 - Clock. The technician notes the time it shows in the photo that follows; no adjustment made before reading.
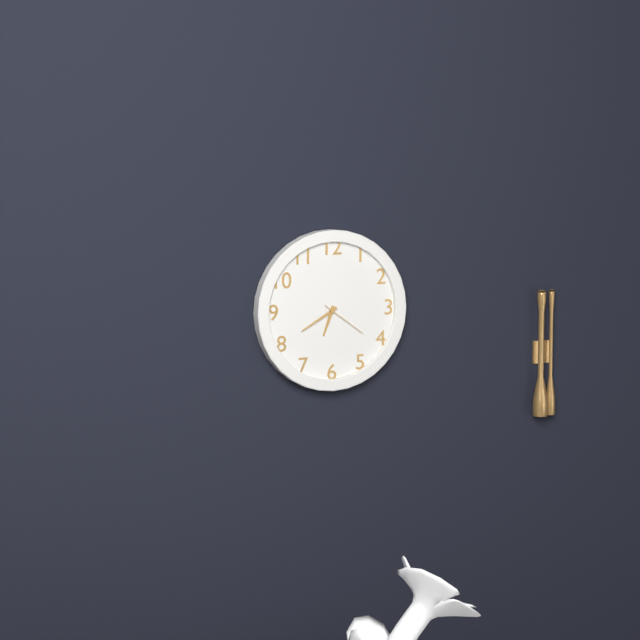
6:40
